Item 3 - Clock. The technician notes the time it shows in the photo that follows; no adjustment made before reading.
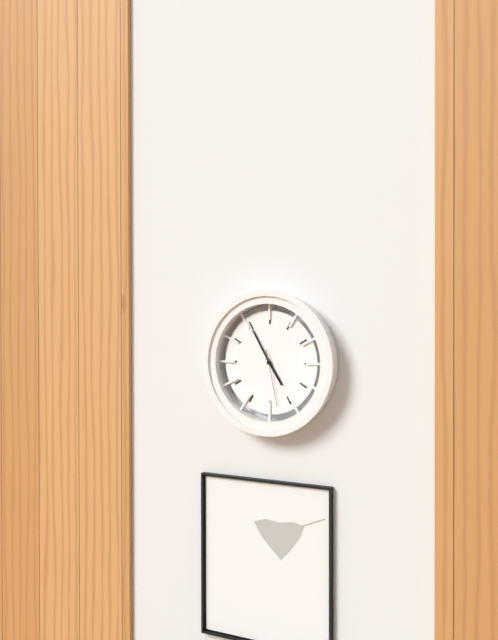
4:55:28
